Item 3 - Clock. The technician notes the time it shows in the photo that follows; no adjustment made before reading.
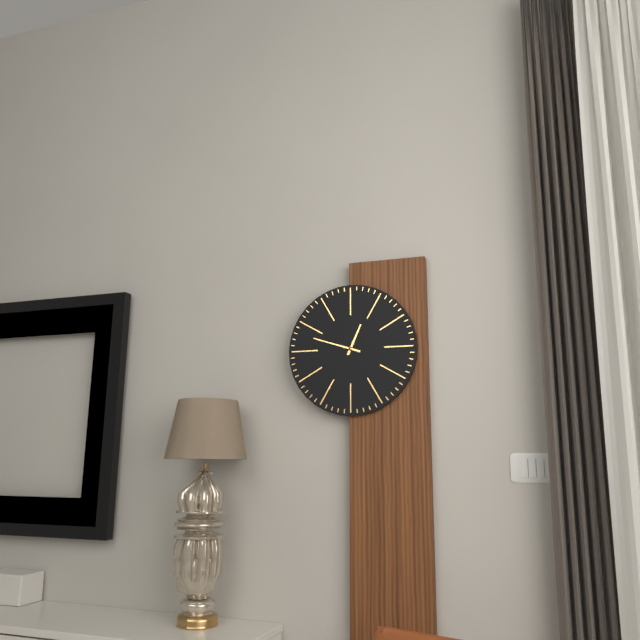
12:48
